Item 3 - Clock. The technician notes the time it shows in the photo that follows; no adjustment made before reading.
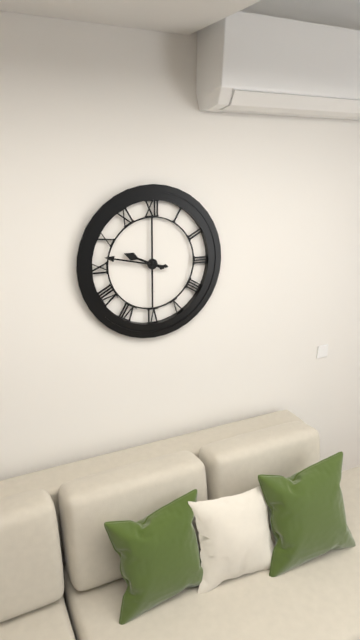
9:47
